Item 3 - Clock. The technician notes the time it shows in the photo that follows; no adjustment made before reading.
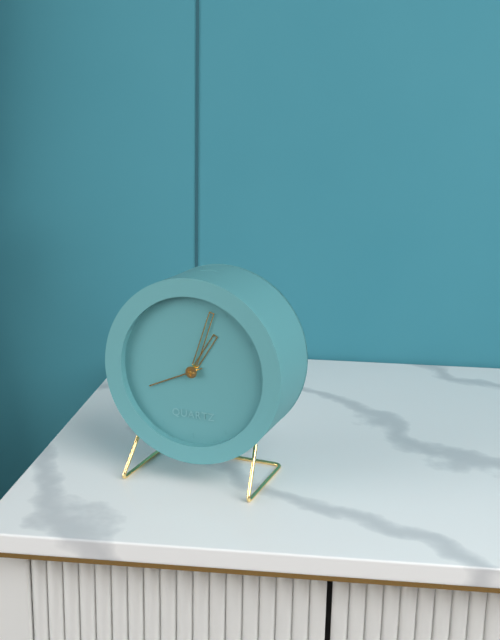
1:03:41
